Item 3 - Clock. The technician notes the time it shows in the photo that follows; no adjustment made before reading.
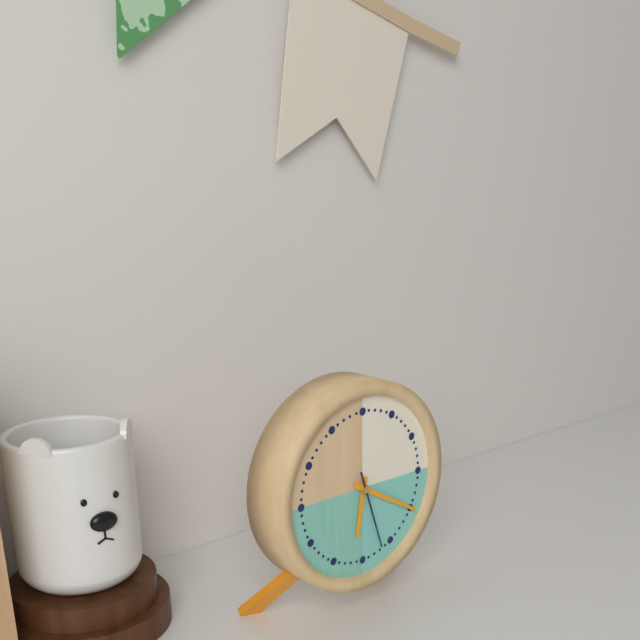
6:20:27
